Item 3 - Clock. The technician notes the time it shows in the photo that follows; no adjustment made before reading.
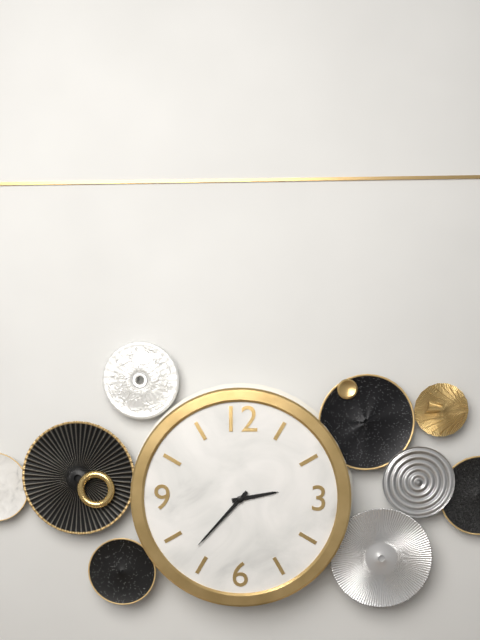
2:37
